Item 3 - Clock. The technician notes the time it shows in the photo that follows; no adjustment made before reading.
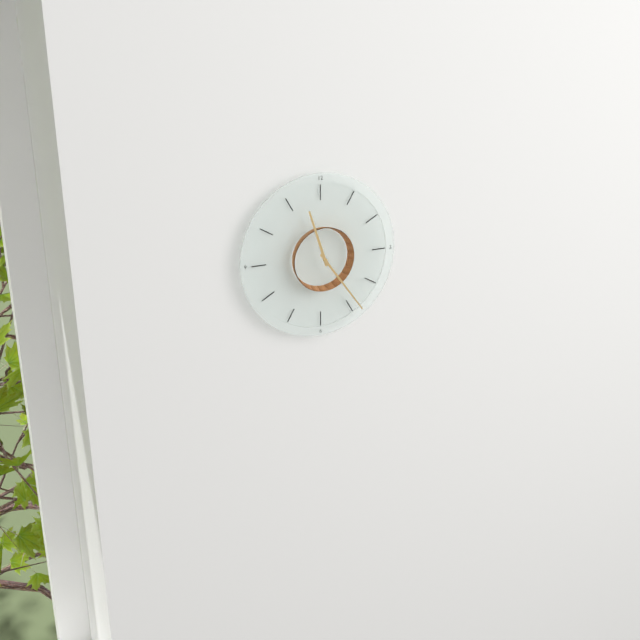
11:24
